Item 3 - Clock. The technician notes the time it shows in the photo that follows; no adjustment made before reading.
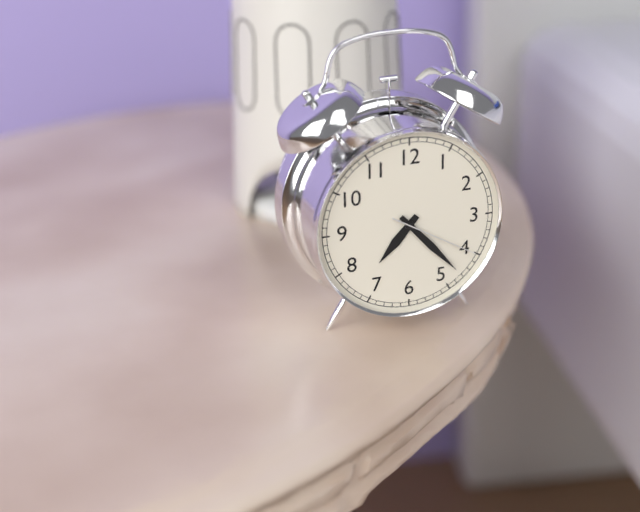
7:23:20
